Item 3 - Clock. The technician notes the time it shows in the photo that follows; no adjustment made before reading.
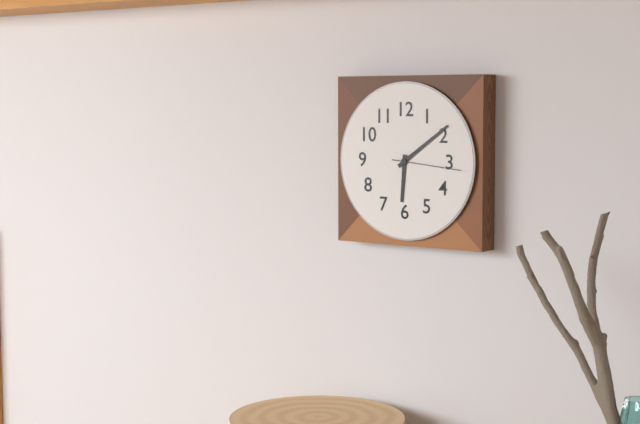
6:09:16
